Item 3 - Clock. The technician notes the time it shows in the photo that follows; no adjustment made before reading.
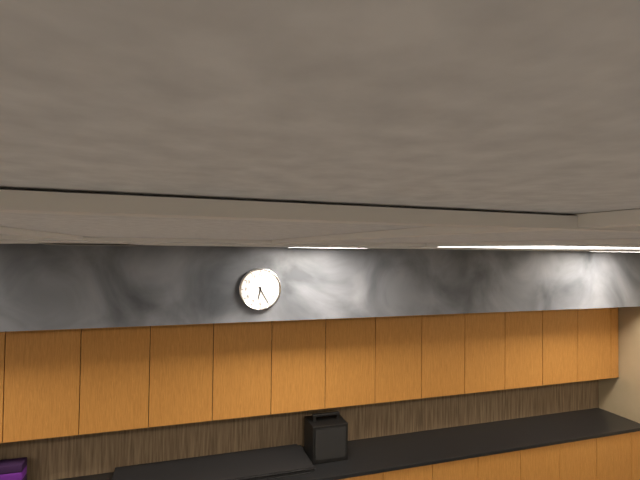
6:25
